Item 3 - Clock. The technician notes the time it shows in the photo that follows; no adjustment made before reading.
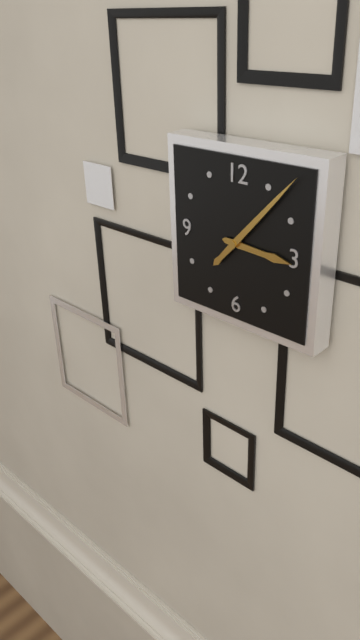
3:07
